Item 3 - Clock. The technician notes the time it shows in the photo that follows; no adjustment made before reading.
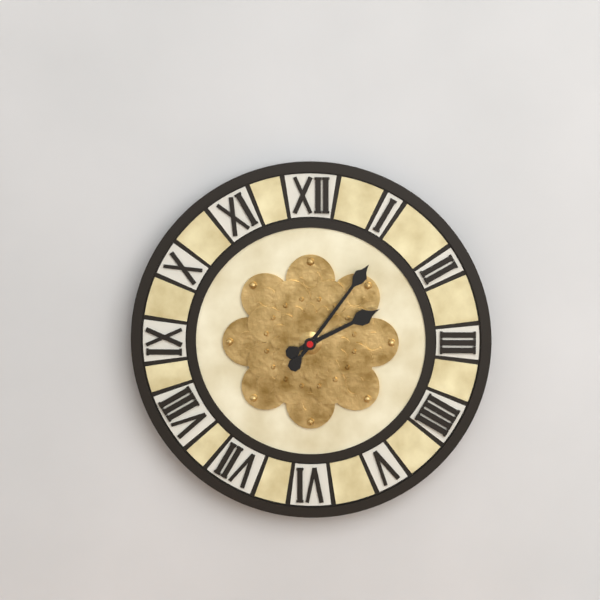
2:06
